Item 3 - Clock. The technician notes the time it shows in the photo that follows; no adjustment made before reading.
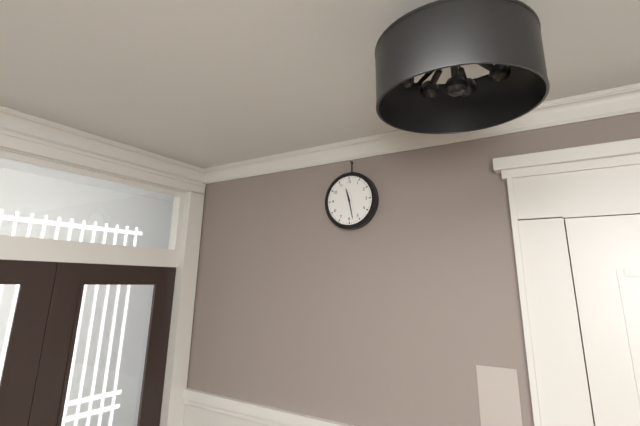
11:28
